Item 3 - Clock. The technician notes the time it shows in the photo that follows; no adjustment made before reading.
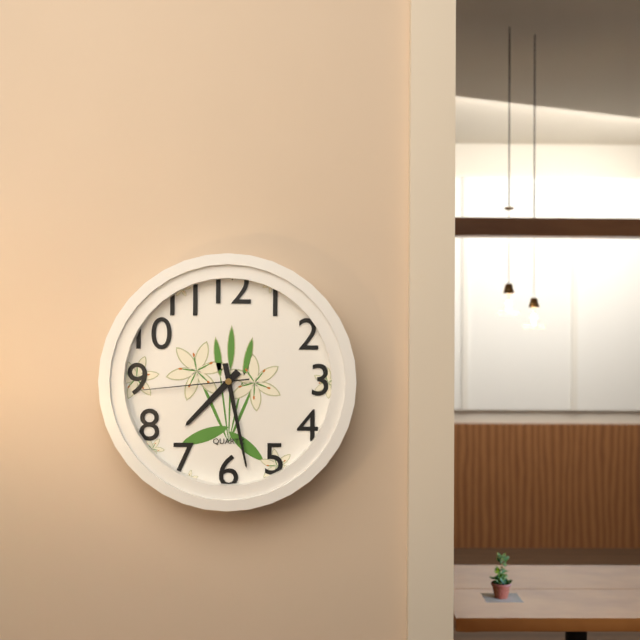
7:28:44
